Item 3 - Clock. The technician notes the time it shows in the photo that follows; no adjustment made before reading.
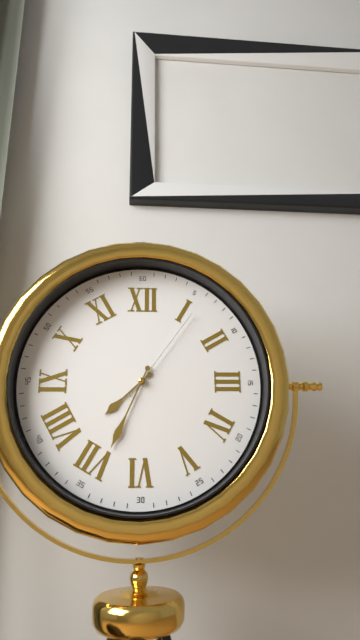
7:34:06
